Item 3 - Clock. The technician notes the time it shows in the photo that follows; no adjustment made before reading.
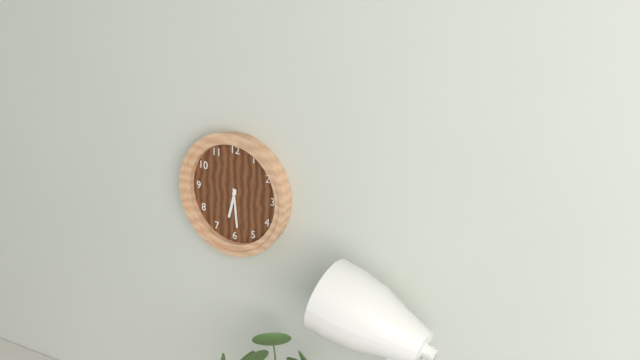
6:29
